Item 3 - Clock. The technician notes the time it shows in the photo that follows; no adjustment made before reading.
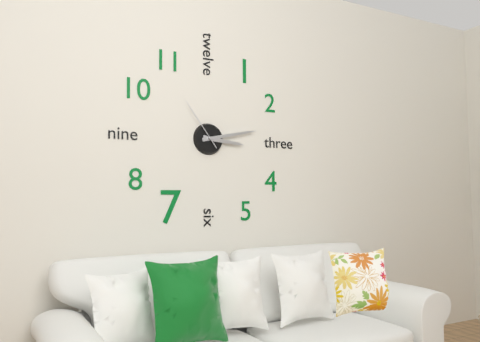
3:13:54
